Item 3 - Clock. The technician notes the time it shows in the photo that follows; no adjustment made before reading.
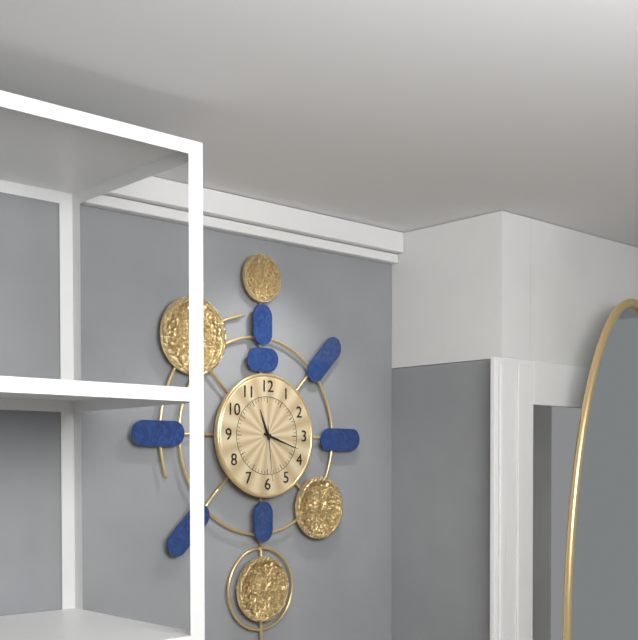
11:18:29
